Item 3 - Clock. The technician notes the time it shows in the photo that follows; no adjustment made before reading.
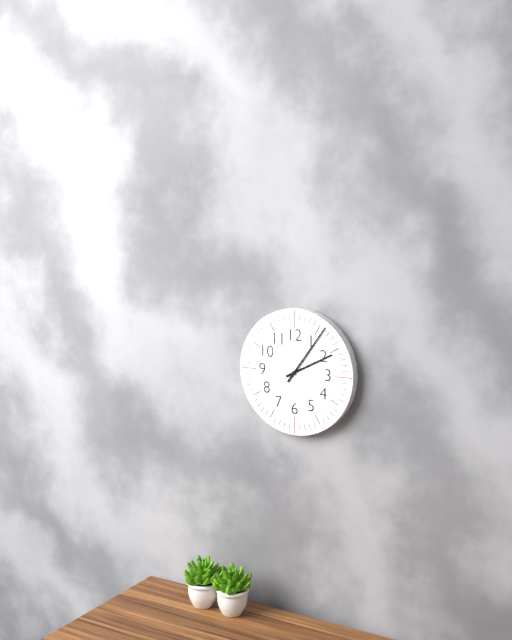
2:06
